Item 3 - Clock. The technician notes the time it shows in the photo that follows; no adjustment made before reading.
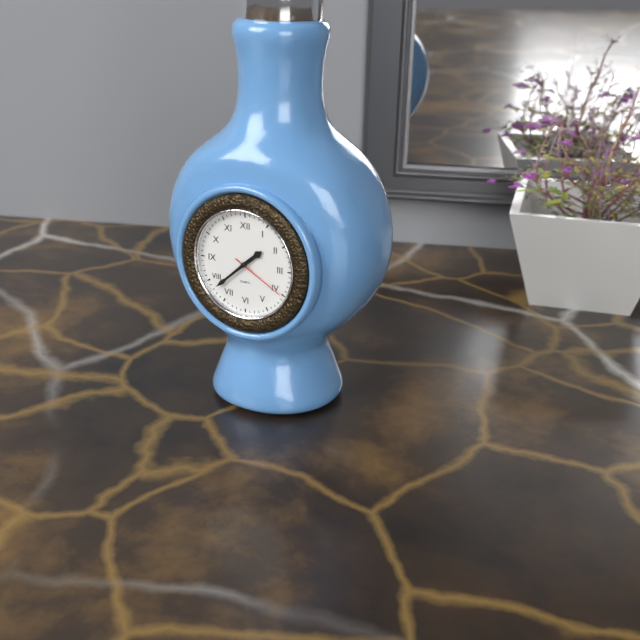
1:38:20
